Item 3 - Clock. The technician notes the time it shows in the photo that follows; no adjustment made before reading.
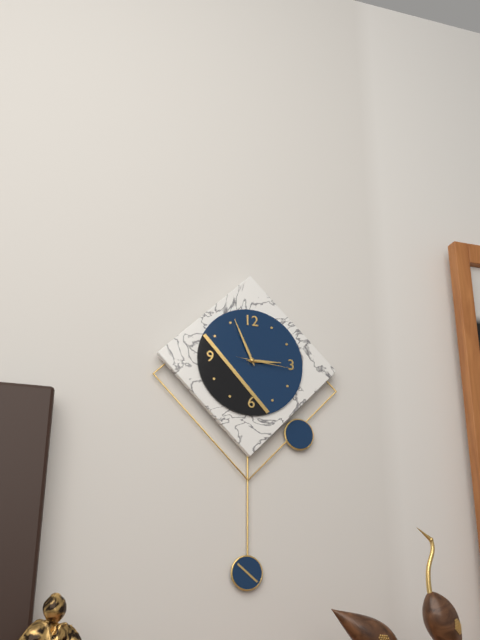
2:56
